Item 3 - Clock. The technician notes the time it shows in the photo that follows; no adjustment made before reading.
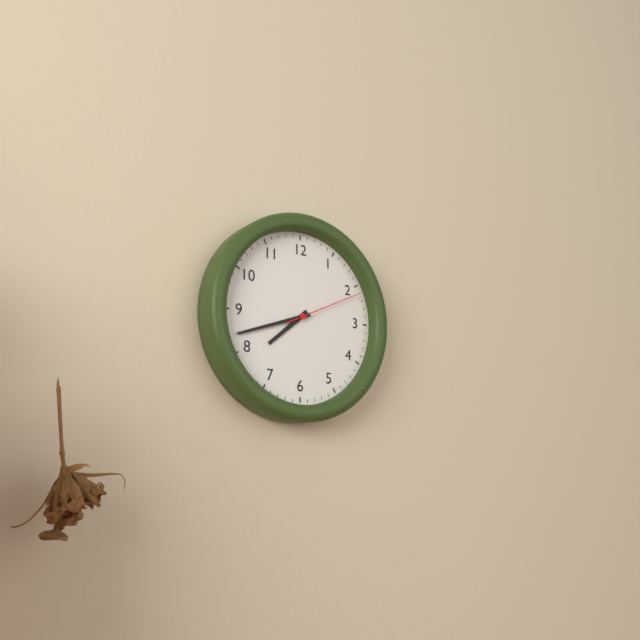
7:42:11
